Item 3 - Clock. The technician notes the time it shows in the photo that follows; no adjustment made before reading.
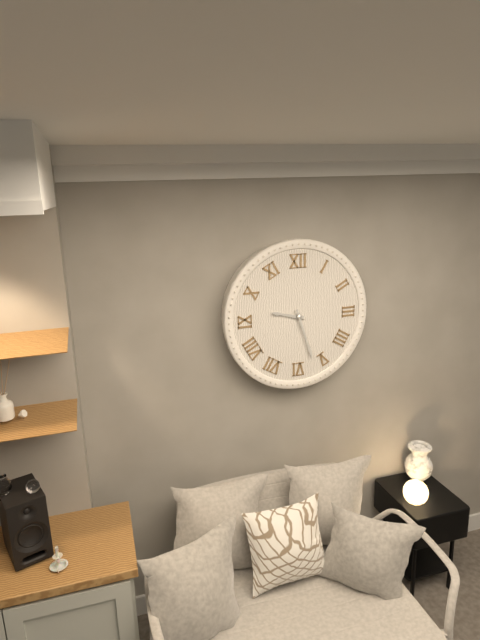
9:27
